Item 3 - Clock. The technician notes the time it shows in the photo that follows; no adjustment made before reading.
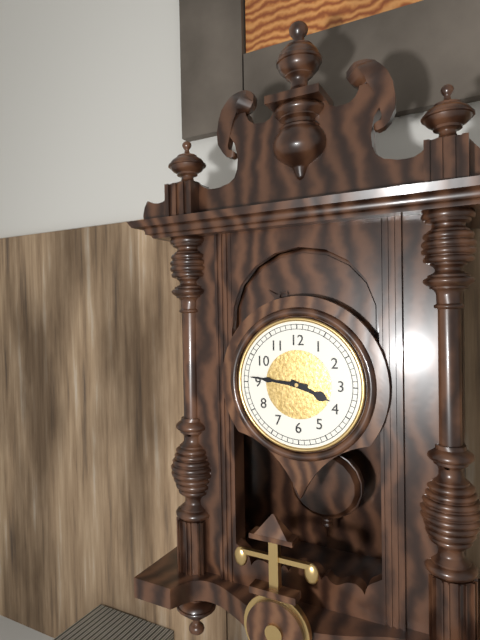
3:46
